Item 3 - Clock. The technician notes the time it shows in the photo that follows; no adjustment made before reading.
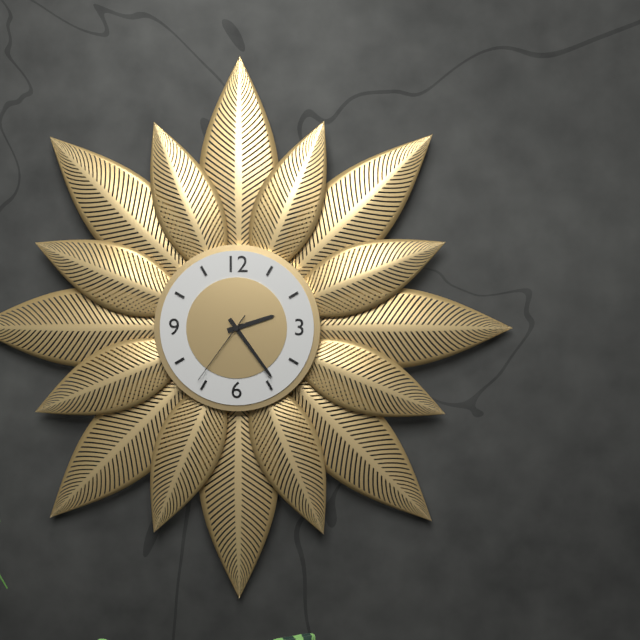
2:24:36
